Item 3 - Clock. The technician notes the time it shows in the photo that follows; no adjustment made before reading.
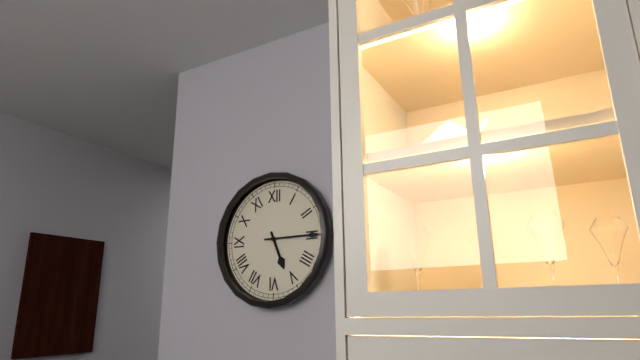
5:15
